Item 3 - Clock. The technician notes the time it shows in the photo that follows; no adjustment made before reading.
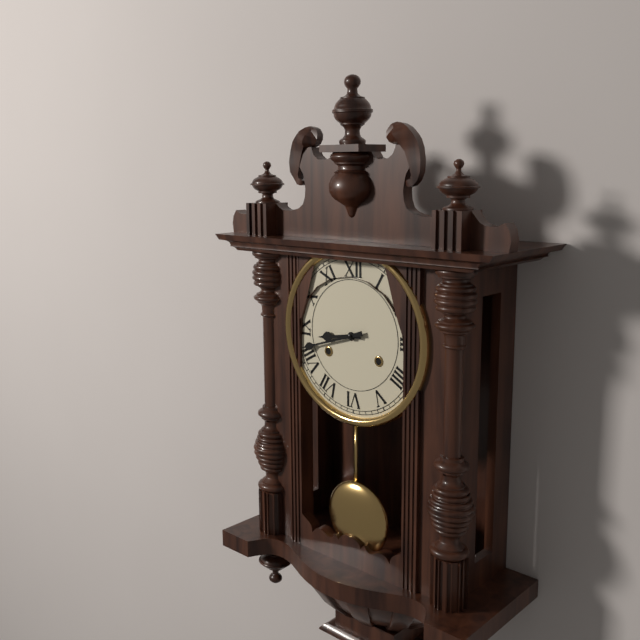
8:42
